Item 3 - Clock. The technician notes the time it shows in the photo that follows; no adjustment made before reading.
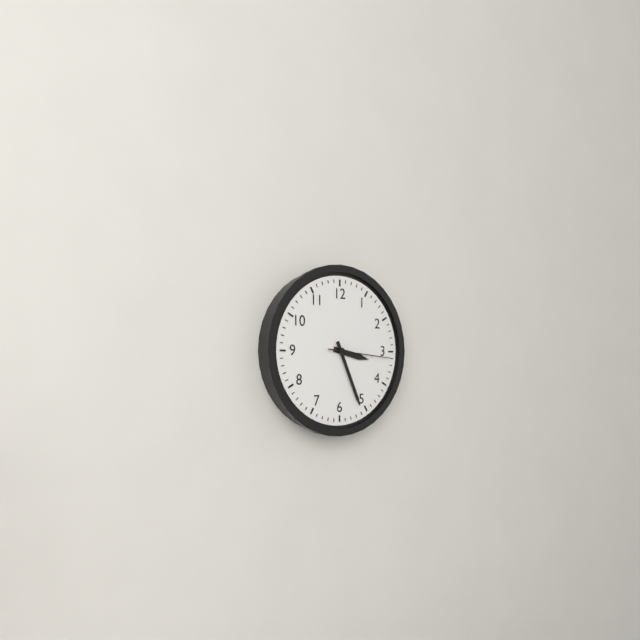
3:26:16
